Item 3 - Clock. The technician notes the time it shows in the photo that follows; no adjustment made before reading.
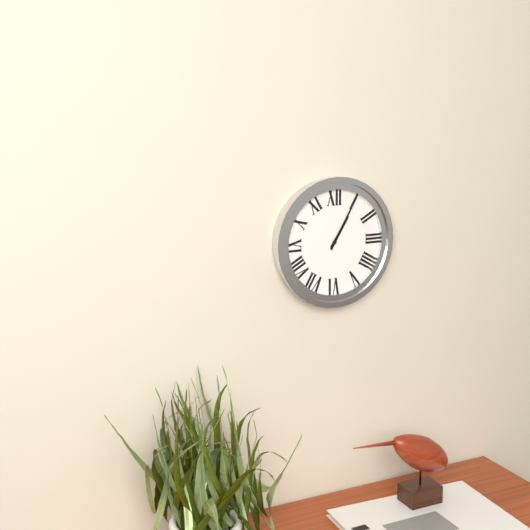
1:05
